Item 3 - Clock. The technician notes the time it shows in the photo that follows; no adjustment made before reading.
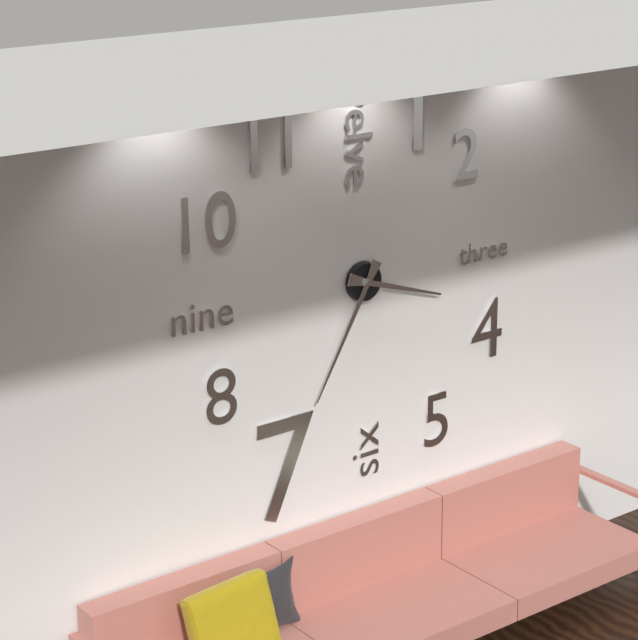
3:35
